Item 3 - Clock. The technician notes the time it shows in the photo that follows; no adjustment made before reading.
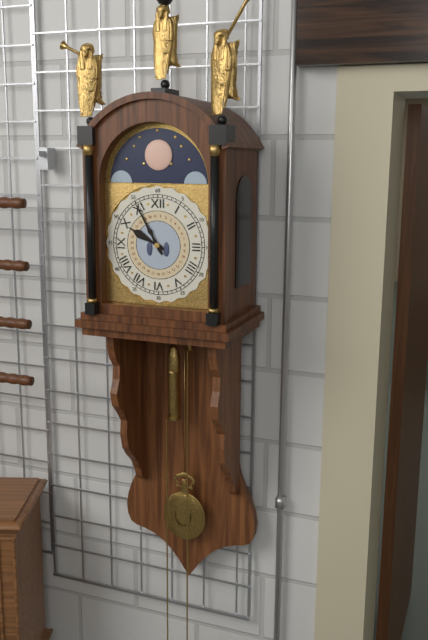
9:55
